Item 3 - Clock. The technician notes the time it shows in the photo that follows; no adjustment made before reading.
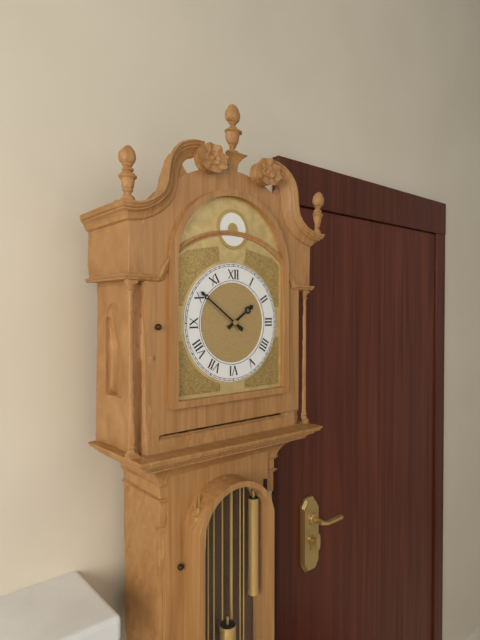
1:51
